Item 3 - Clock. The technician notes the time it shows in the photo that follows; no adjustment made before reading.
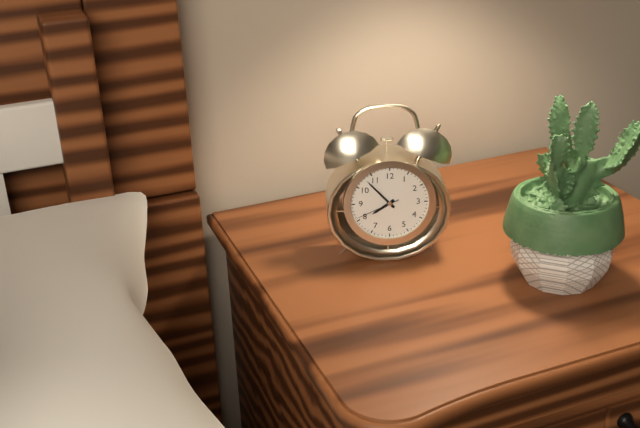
7:53
